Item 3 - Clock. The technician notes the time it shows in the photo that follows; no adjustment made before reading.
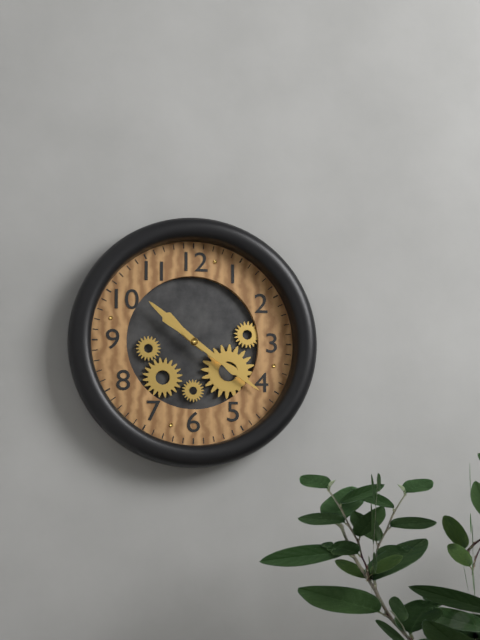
10:21
